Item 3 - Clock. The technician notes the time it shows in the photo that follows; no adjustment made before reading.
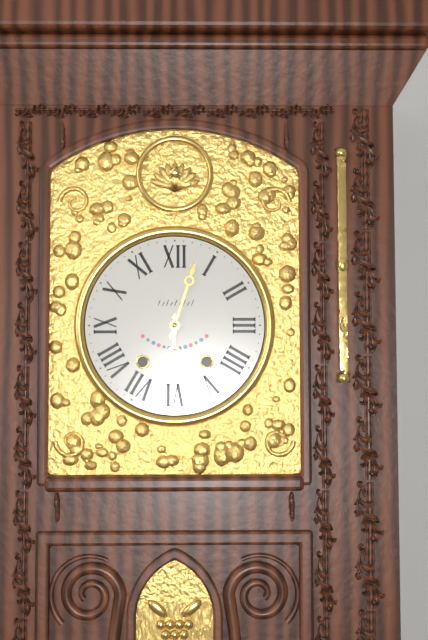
6:03
